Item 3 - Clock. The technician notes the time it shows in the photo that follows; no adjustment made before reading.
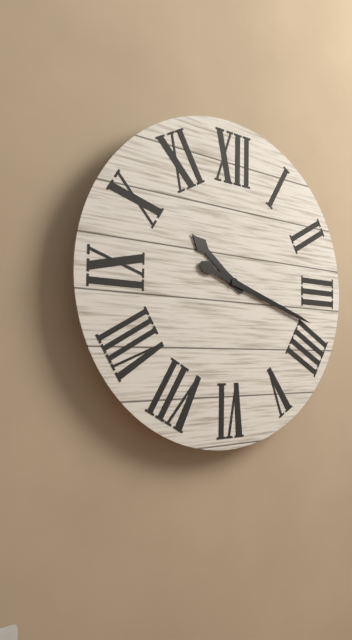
10:18
